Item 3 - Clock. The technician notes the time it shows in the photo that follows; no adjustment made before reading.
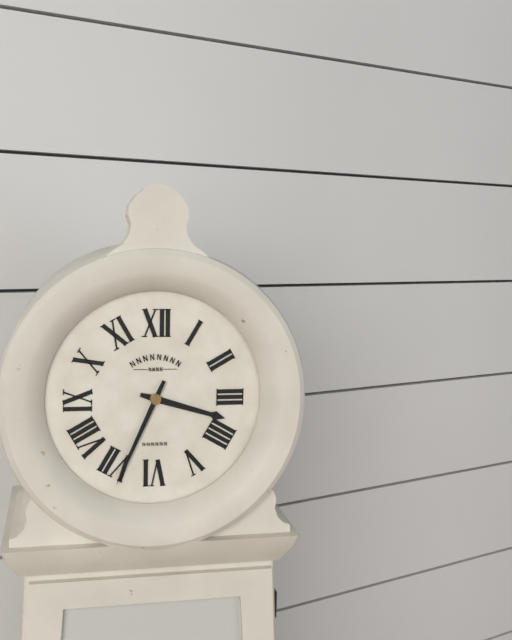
3:34
